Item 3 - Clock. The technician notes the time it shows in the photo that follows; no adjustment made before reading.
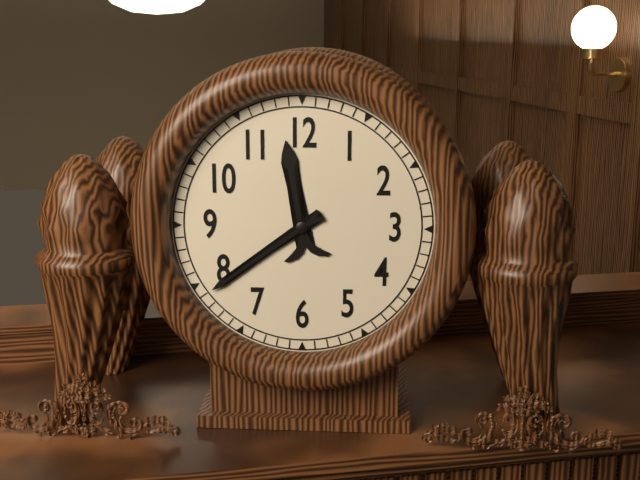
11:39
